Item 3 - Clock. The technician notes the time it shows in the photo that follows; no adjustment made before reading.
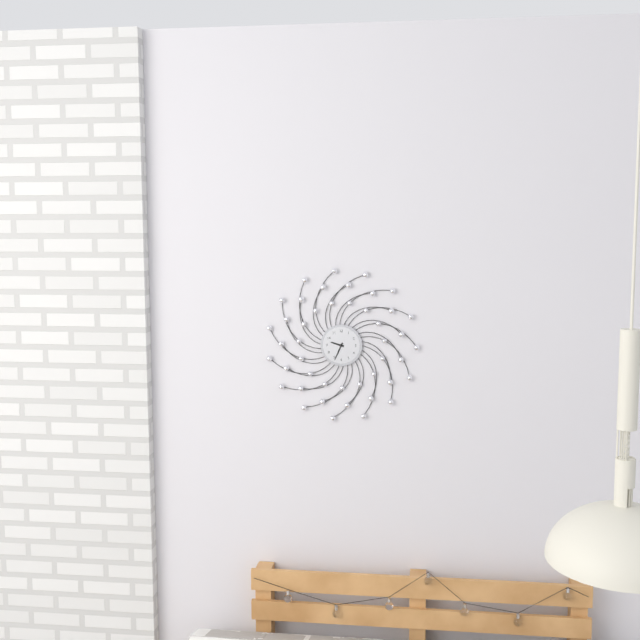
9:34
